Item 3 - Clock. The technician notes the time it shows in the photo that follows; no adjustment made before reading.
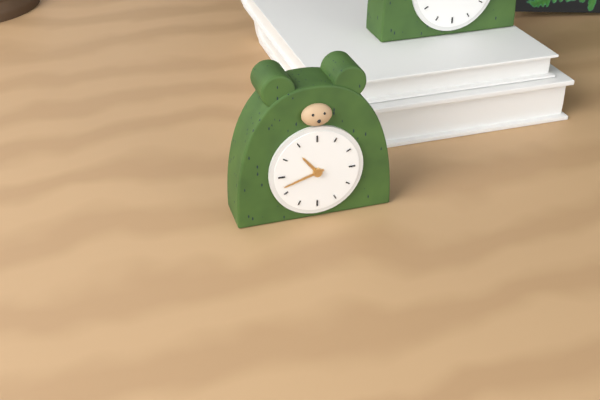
10:42
